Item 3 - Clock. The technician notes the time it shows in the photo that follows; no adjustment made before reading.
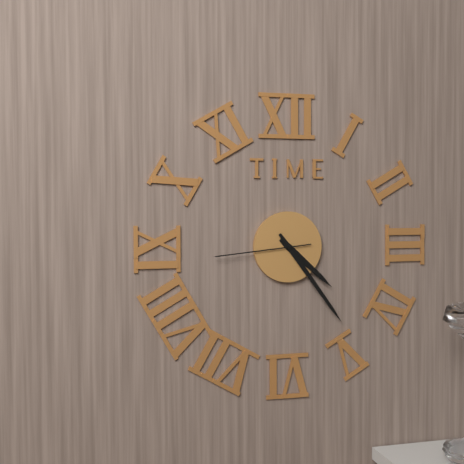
4:24:44
